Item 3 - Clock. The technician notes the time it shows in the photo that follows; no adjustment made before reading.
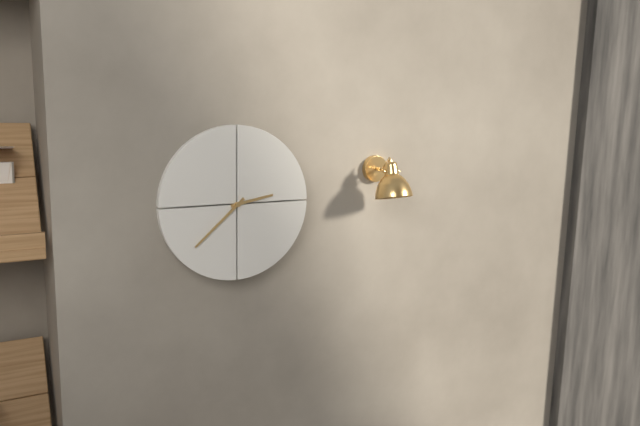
2:38
